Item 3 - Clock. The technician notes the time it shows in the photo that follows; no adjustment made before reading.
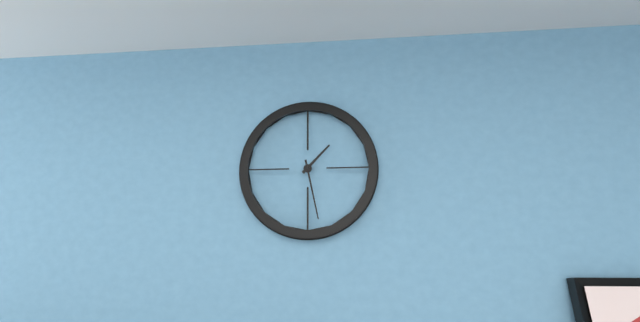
1:28
